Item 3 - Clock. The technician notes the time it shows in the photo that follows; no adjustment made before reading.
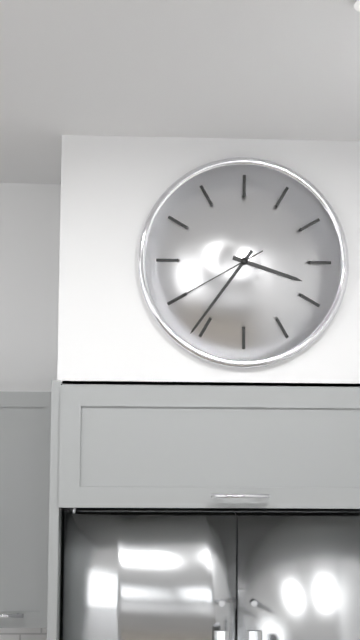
3:36:40
